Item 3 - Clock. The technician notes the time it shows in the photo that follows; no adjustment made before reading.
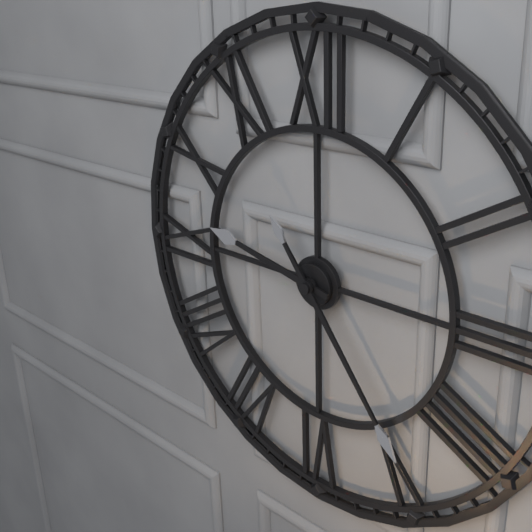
9:24
